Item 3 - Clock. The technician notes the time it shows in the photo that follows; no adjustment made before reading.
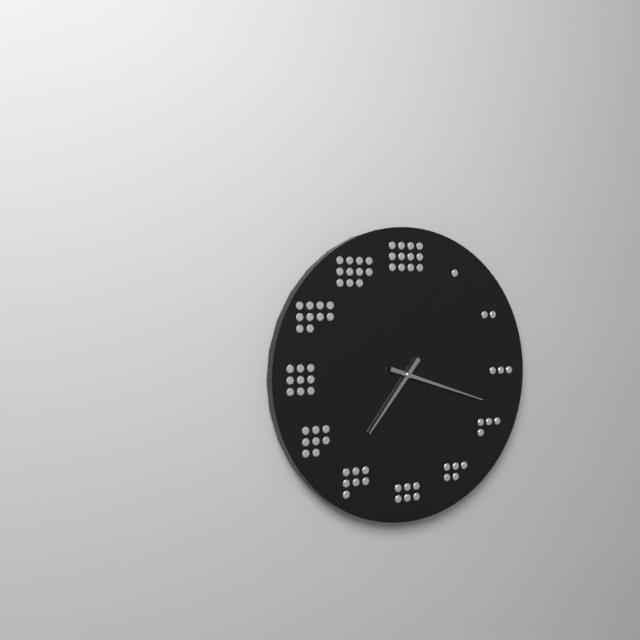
7:18
